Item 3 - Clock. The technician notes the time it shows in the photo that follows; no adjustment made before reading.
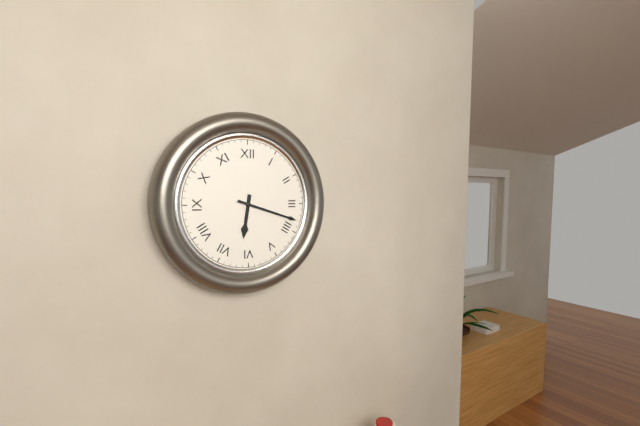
6:18
